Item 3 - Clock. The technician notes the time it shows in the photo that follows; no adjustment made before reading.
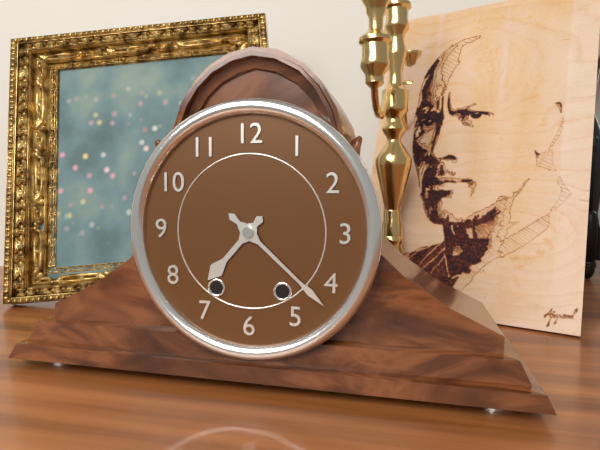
7:22
